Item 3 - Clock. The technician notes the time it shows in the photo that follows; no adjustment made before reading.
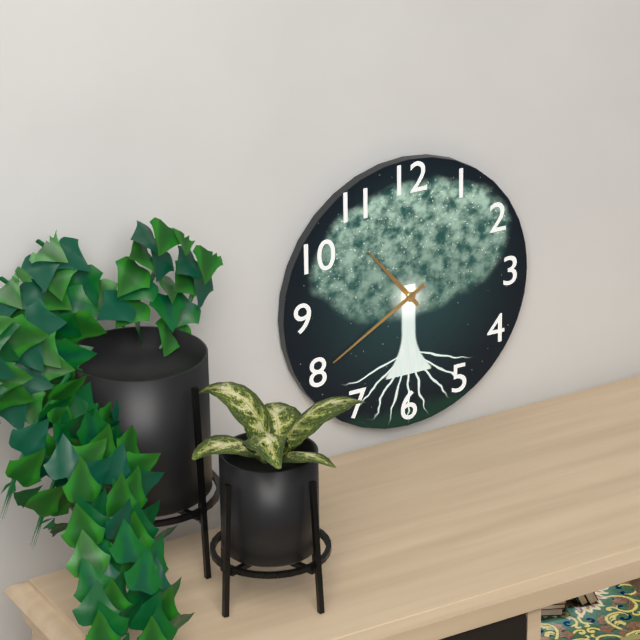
10:40
